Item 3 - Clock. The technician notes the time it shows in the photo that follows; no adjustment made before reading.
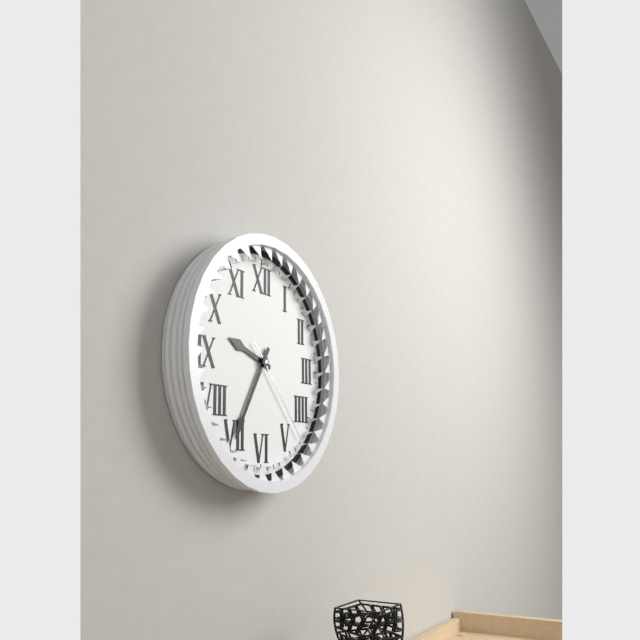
9:35:23
